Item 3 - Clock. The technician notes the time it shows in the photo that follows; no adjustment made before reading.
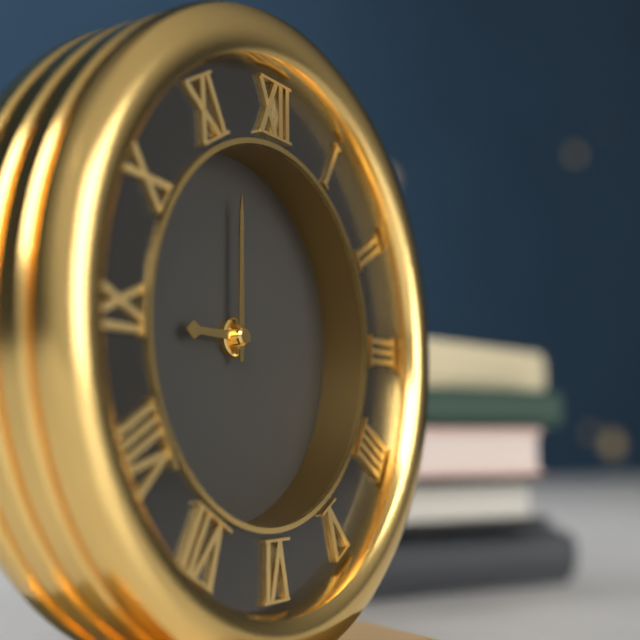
9:00
